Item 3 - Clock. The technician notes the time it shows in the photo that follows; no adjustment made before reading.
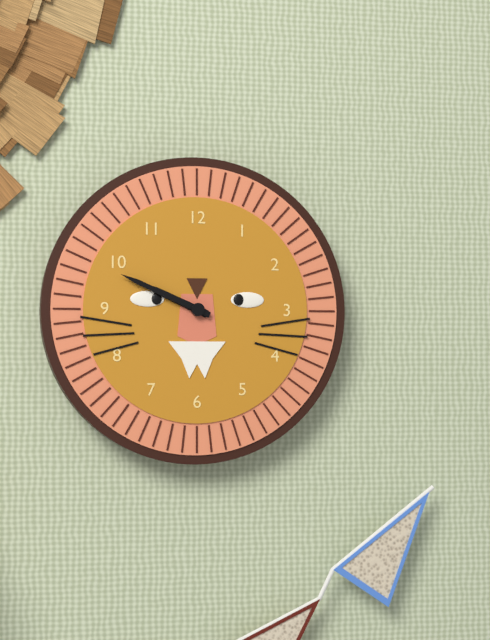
9:49
